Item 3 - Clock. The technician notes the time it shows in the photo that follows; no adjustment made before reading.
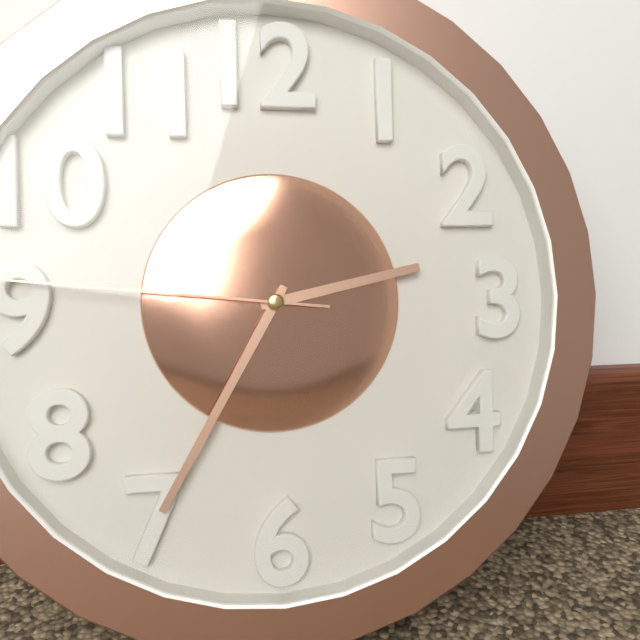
2:35
